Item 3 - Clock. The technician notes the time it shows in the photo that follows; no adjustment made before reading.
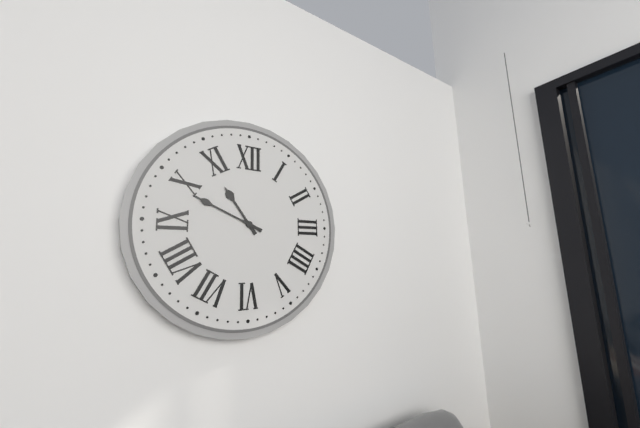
10:49
